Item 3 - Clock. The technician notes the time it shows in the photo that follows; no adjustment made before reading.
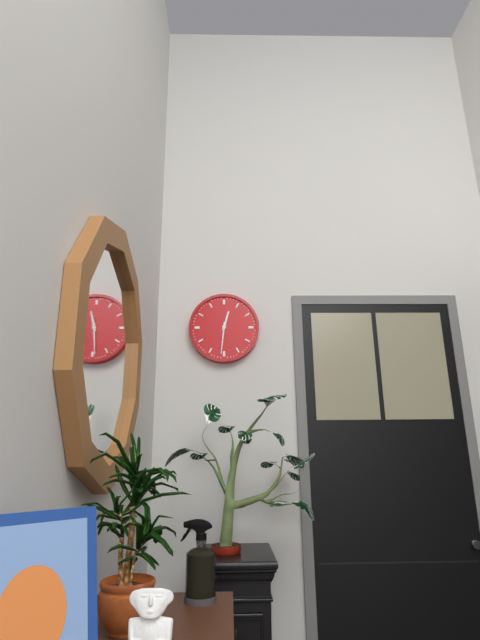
12:31
